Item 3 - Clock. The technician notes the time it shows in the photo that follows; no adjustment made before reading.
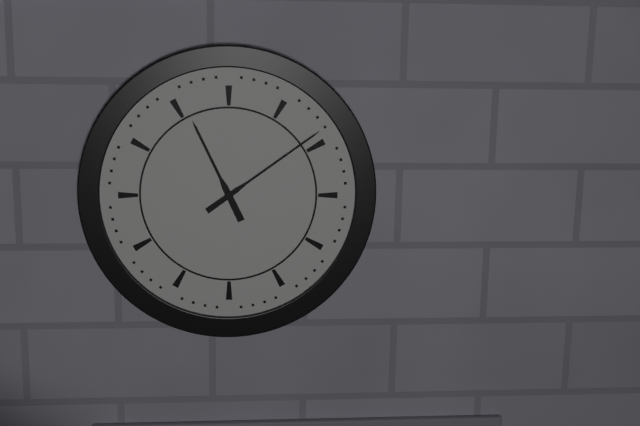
11:09
